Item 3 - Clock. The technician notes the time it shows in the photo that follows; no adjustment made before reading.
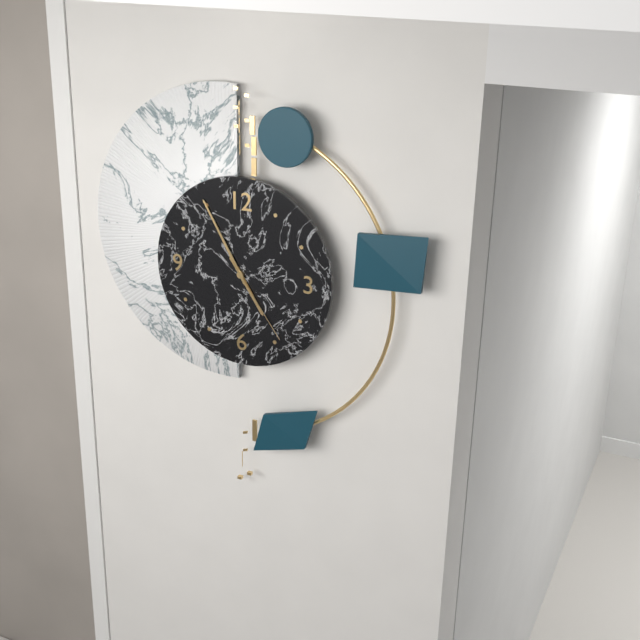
4:55:24
